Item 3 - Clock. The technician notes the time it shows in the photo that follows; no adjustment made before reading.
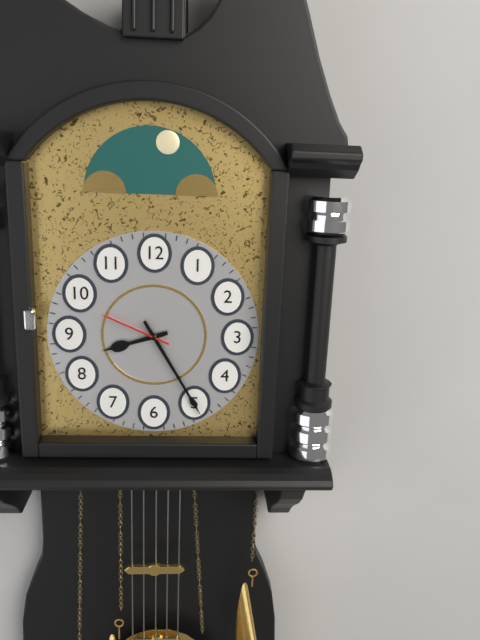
8:25:49
